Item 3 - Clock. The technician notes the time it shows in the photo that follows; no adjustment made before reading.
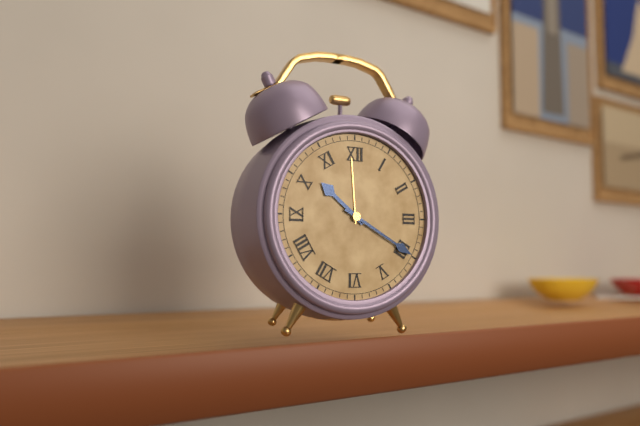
10:20
